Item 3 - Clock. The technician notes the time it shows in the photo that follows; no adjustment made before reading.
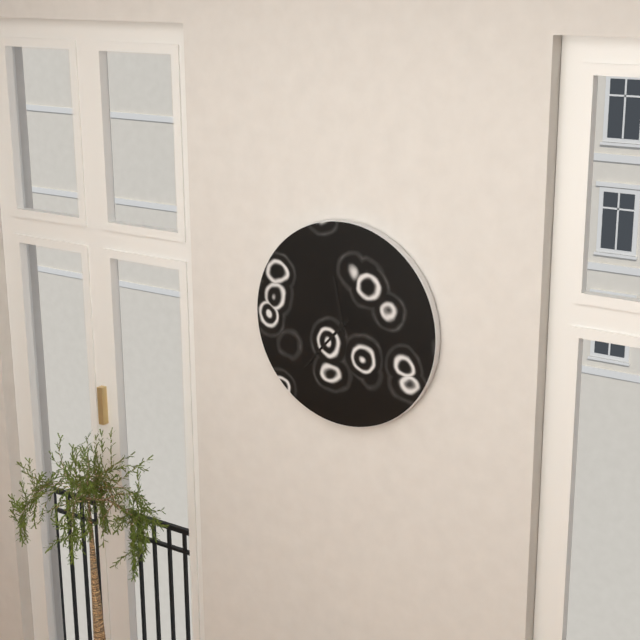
11:37
